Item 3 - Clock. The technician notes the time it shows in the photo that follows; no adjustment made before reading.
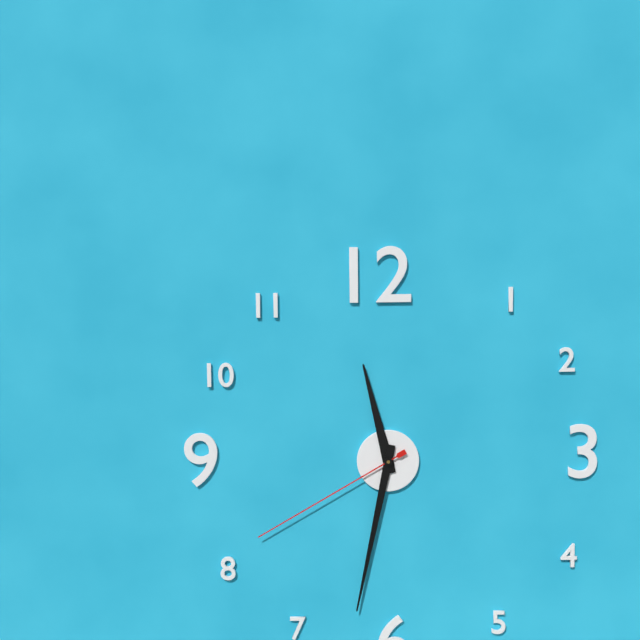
11:32:40
